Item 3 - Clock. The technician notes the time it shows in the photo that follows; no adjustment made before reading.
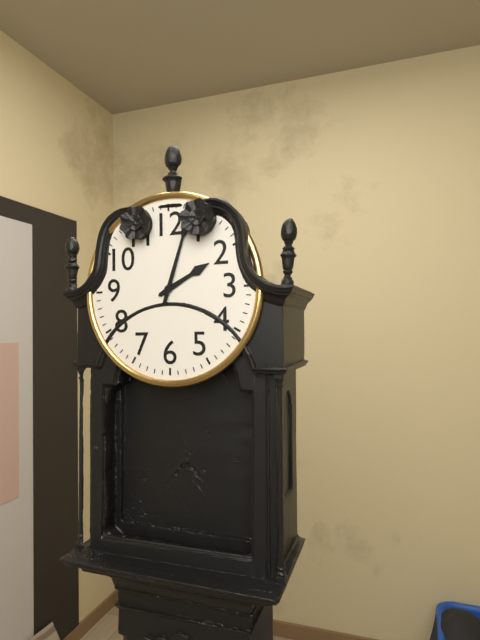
2:03
